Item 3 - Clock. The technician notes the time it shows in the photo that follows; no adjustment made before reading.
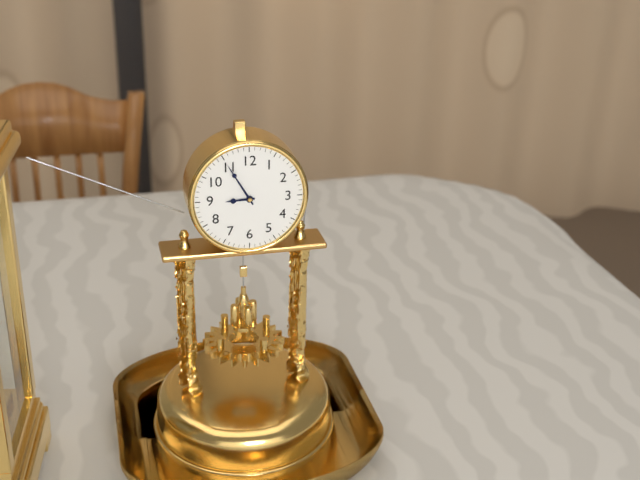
8:55
